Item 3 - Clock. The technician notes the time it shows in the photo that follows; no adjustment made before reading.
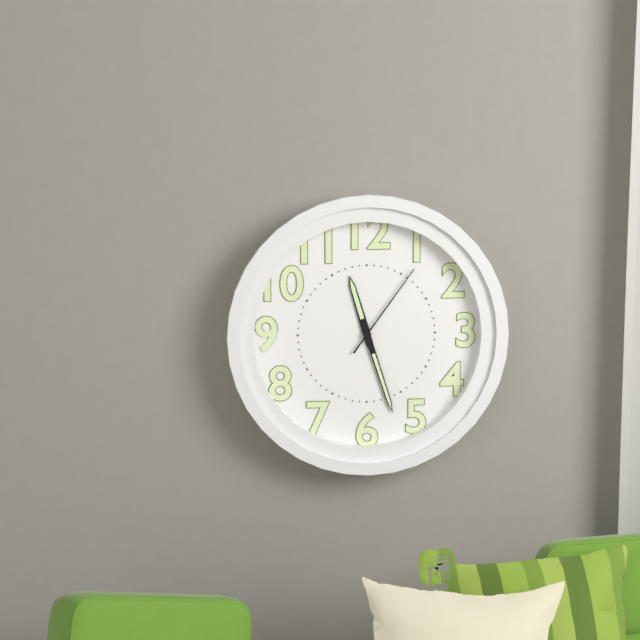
11:27:06
